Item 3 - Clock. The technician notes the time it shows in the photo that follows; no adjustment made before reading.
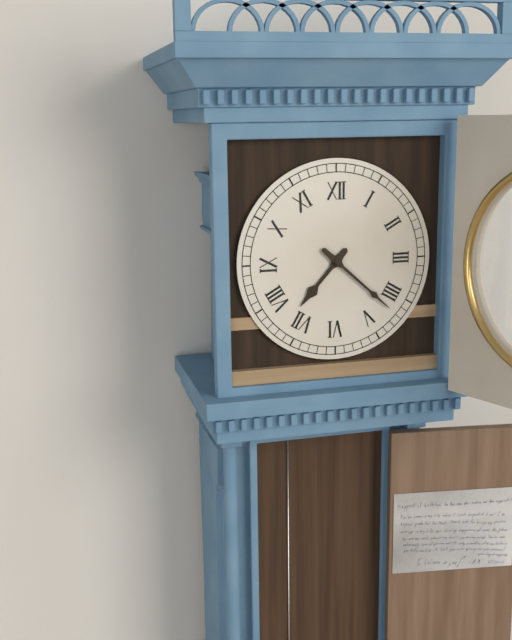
7:22
